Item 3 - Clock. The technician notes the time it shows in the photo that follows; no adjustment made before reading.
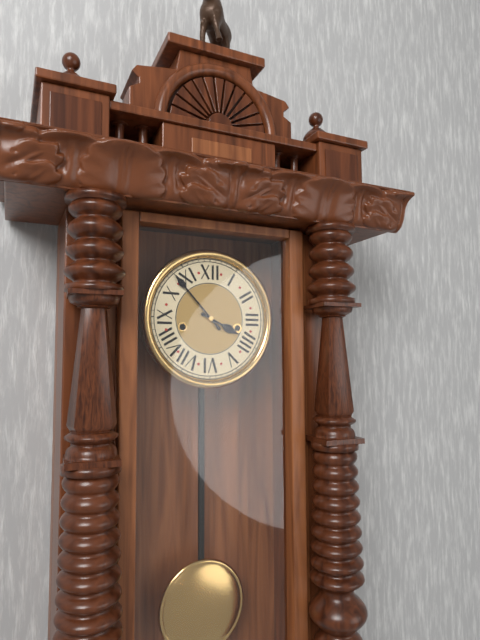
3:53
